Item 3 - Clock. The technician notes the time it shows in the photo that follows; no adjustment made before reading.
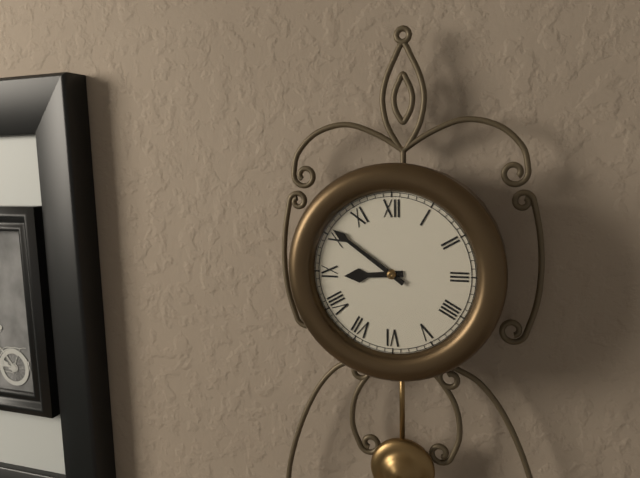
8:51
